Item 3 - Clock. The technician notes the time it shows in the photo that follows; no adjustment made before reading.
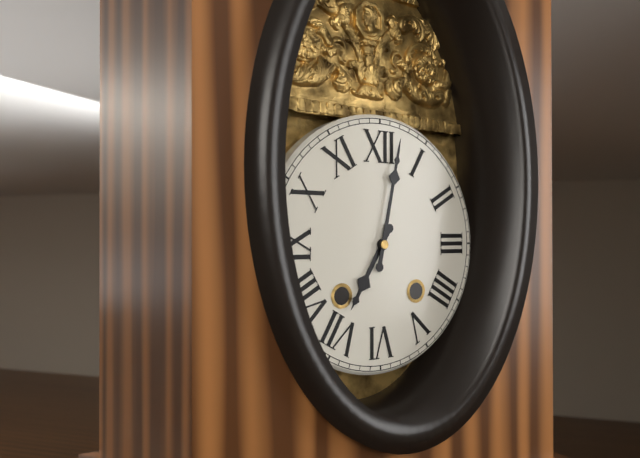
7:02
